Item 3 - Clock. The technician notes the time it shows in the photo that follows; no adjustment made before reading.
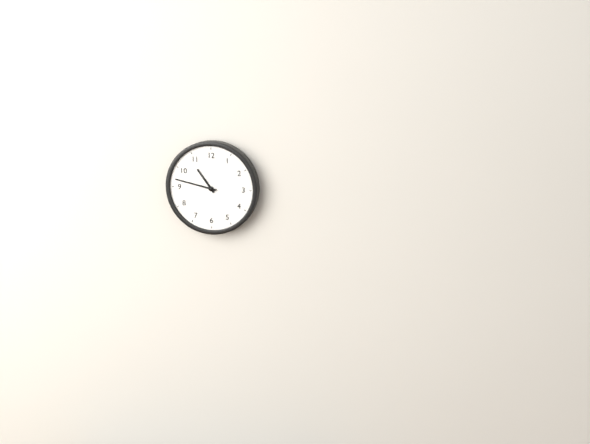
10:47
